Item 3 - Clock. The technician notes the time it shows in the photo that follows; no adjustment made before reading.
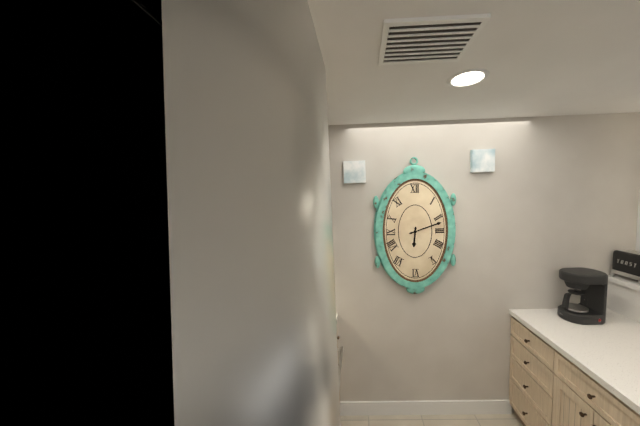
6:12
